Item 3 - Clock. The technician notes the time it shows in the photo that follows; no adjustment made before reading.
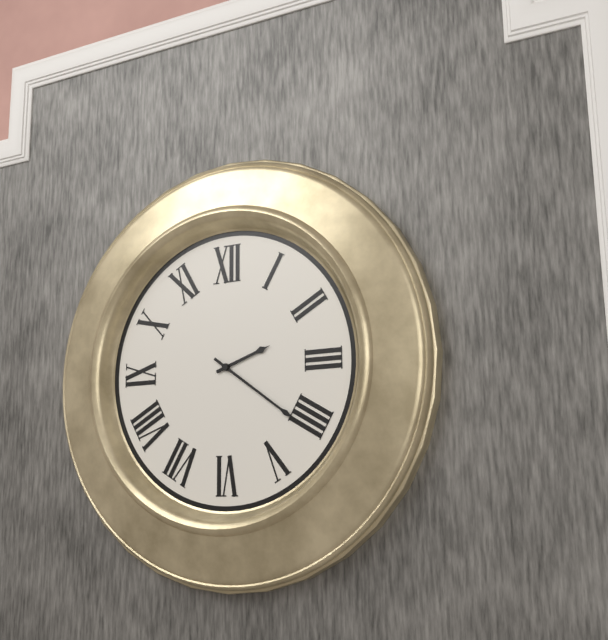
2:21
